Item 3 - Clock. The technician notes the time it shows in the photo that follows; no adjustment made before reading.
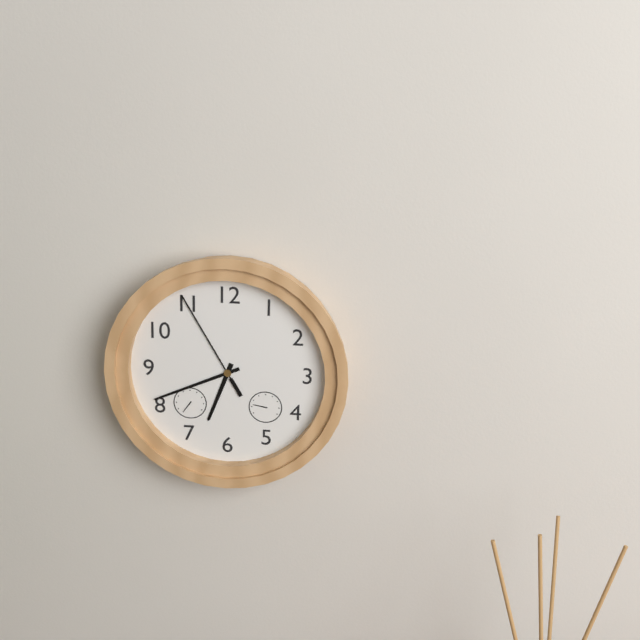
6:41:55
